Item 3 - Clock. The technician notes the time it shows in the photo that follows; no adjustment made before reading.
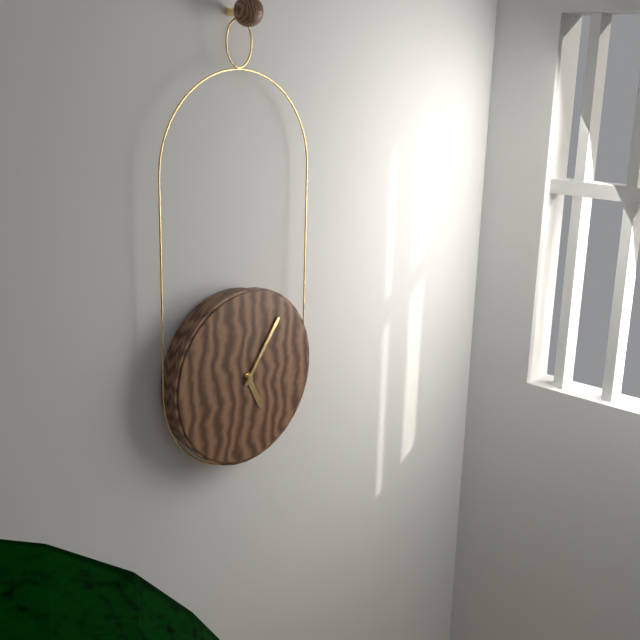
5:06
